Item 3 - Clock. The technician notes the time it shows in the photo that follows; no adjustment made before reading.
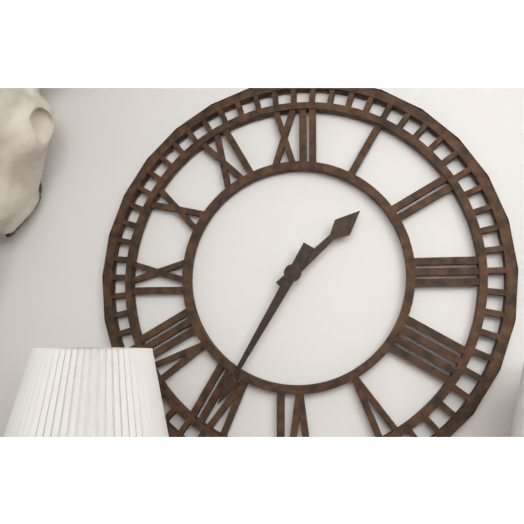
1:35
